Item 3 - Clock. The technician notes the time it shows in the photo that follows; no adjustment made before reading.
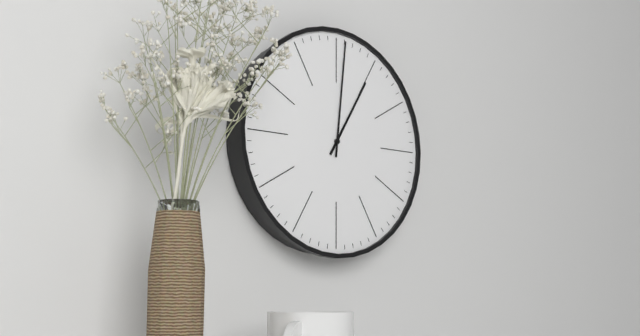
1:01
